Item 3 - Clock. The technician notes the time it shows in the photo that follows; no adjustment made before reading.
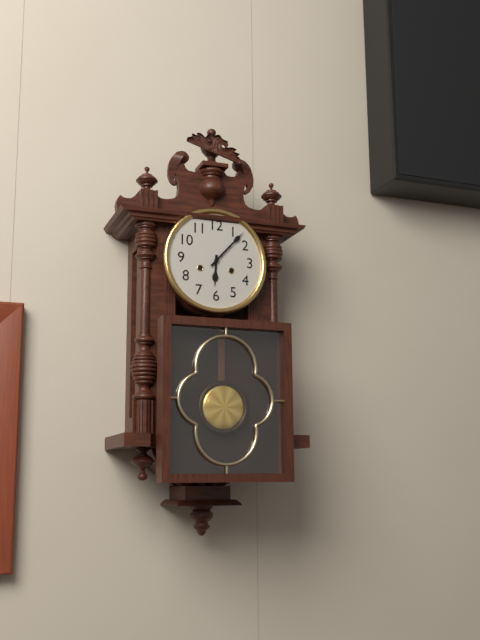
6:07
